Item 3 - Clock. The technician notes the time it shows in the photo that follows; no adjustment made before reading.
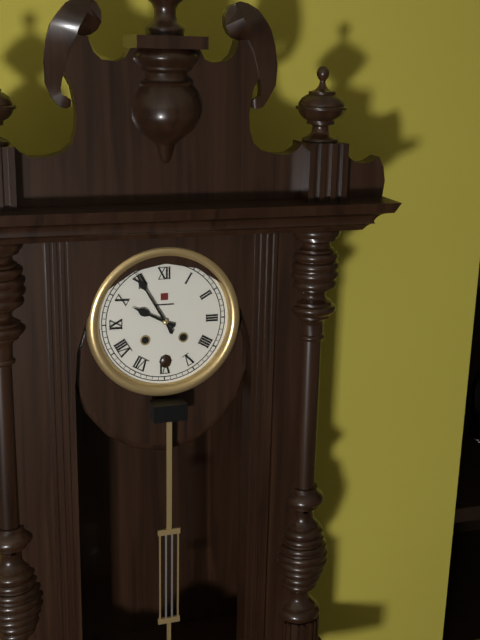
9:55
